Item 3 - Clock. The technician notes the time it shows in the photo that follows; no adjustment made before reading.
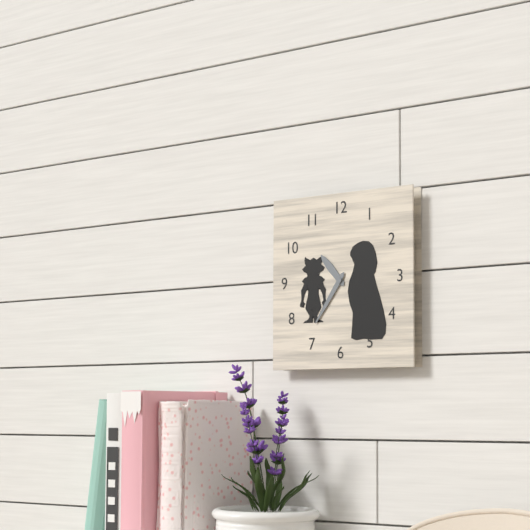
10:36
